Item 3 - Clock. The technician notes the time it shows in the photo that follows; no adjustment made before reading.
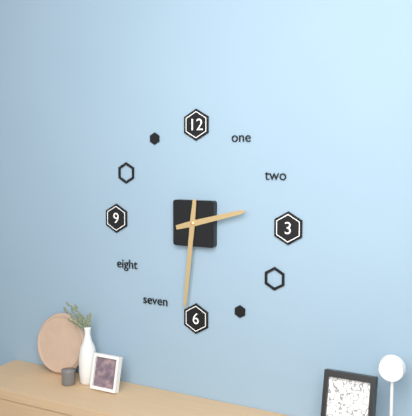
2:31
